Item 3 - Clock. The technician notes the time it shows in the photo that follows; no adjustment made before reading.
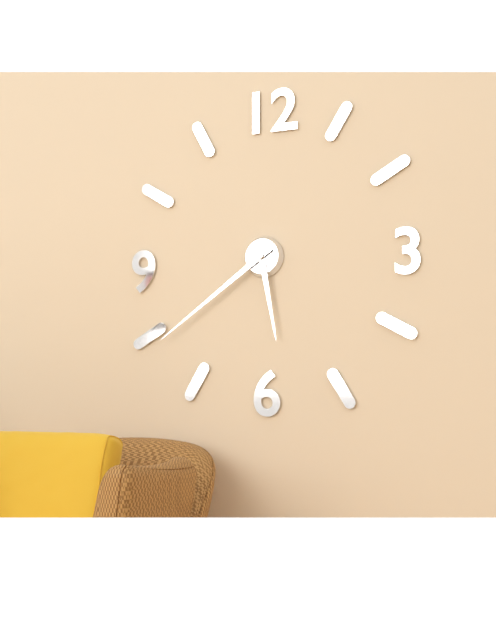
5:39
